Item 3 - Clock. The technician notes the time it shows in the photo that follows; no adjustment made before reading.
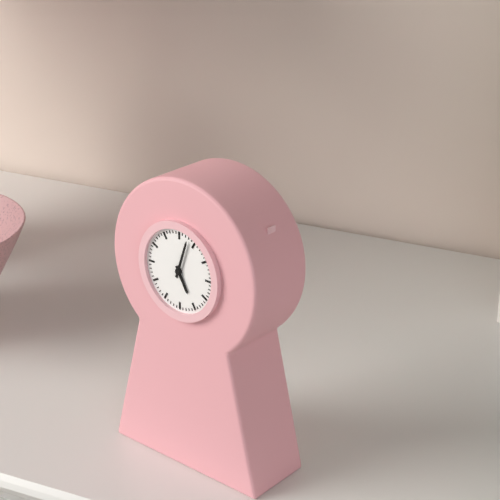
5:03
